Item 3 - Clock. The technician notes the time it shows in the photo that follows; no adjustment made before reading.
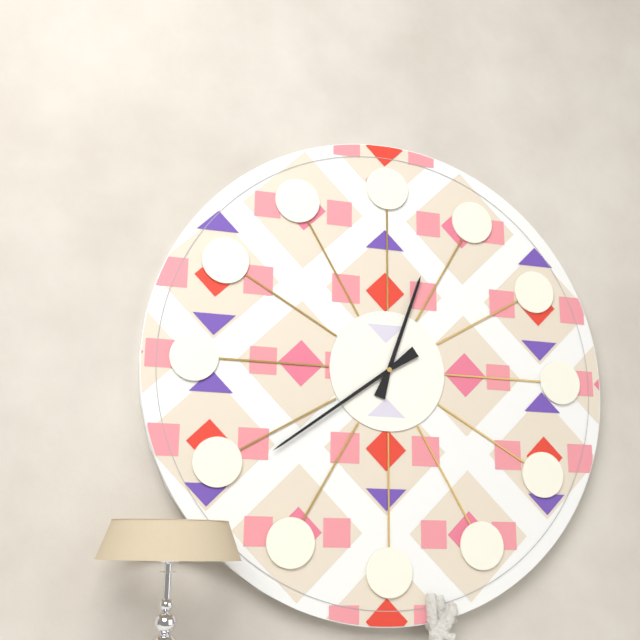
12:39
